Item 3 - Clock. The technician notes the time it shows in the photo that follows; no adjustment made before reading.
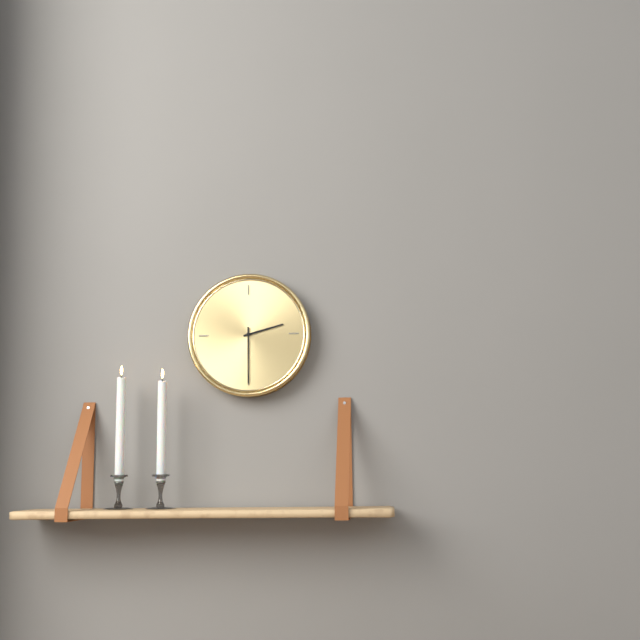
2:30
